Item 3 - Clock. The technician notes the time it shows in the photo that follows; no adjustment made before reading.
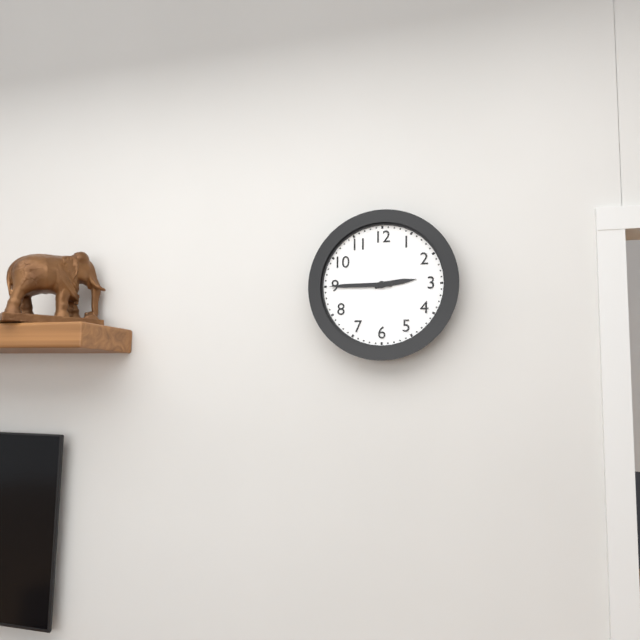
2:45
